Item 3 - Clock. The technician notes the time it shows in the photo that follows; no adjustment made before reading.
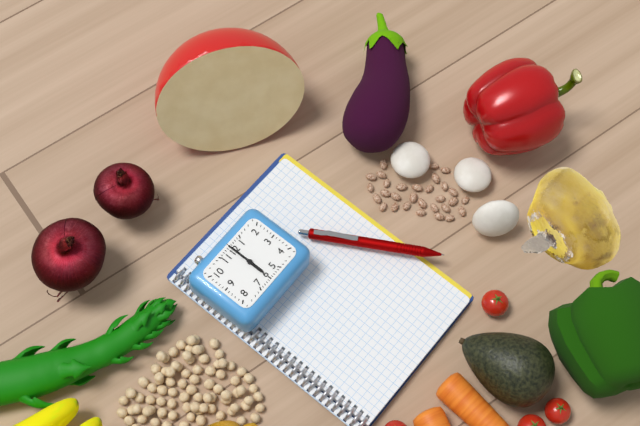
6:00
